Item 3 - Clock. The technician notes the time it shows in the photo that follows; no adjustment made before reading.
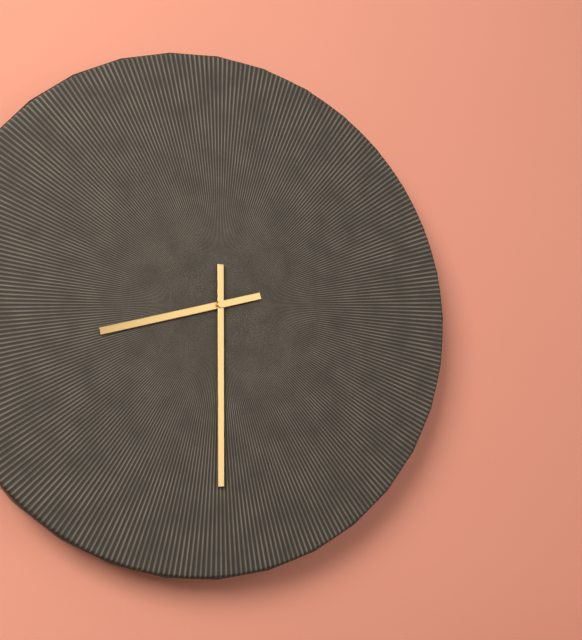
8:30
